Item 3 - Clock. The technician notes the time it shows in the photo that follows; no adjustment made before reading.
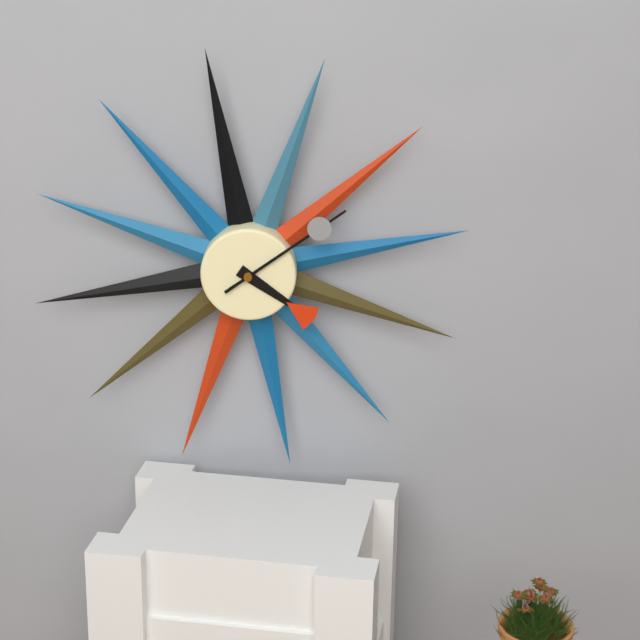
4:09
